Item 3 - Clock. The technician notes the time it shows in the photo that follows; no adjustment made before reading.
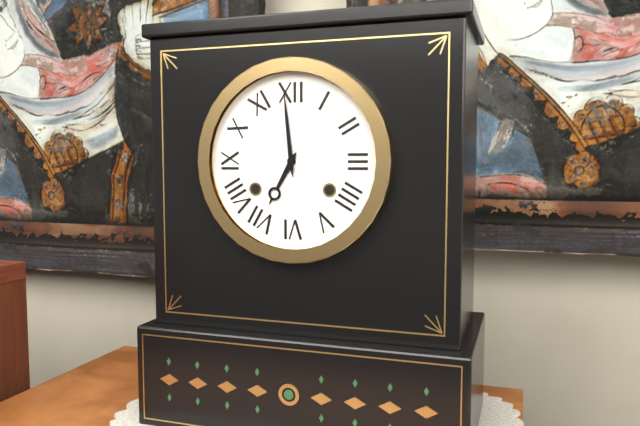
6:59
